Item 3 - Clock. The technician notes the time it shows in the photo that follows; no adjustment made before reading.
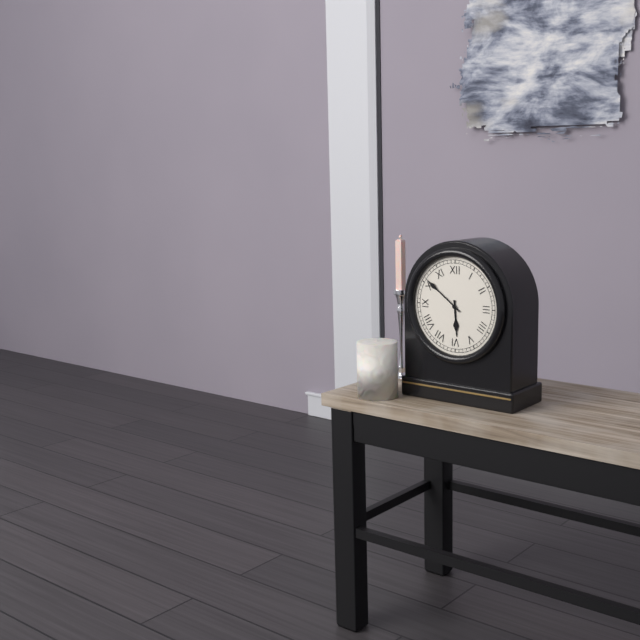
5:51
